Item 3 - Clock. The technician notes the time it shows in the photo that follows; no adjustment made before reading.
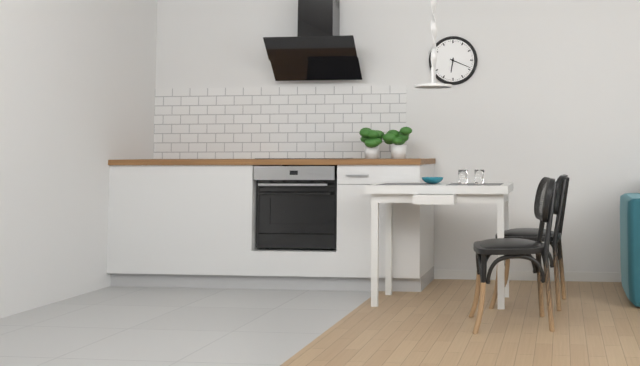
6:19
